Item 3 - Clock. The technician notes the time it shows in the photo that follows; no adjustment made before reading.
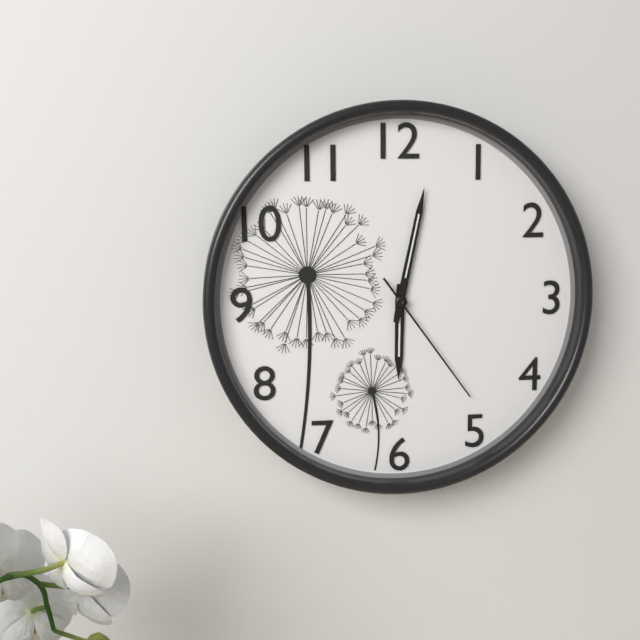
6:02:24
